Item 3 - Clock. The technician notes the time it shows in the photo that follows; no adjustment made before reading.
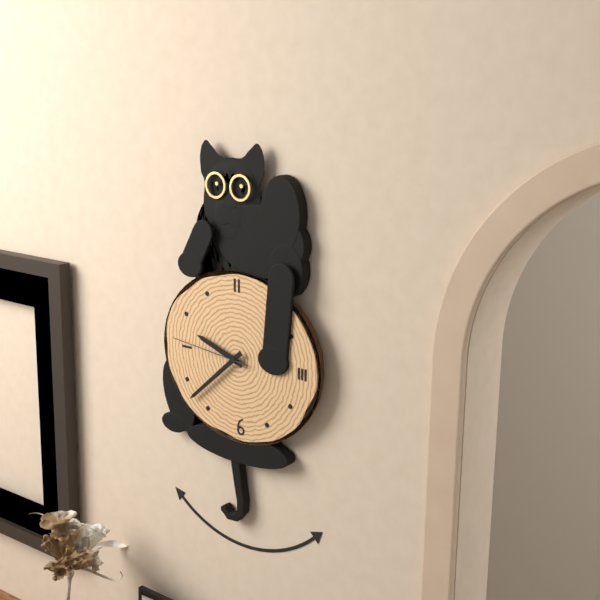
9:38:46
